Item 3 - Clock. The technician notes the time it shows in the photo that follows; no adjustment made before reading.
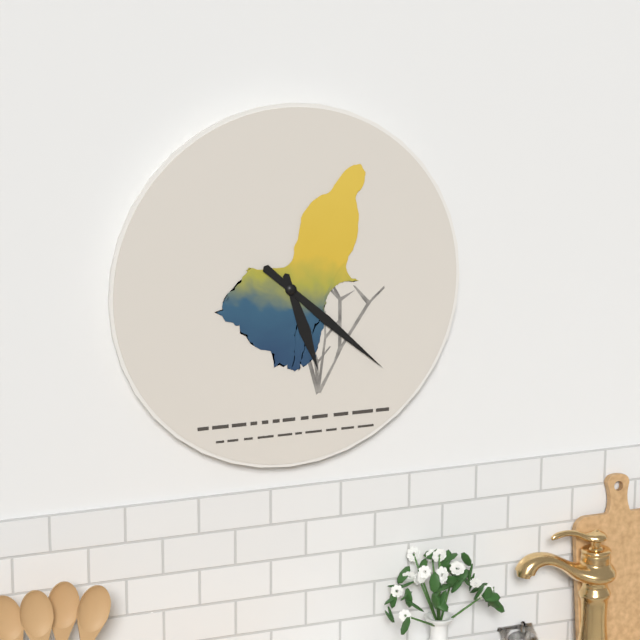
5:22
